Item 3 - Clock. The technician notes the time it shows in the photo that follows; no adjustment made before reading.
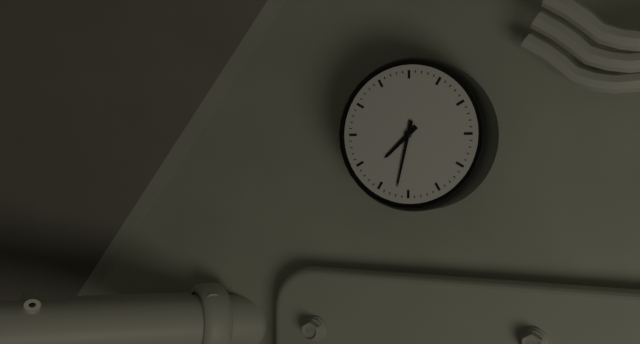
7:32
